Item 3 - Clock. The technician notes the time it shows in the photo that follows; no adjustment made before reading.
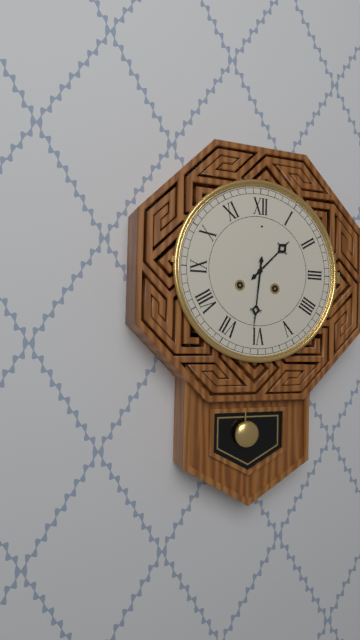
1:31
